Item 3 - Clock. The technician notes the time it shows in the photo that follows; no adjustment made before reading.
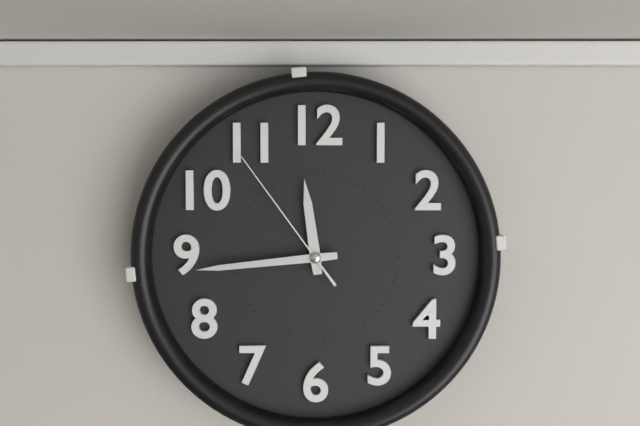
11:44:54
